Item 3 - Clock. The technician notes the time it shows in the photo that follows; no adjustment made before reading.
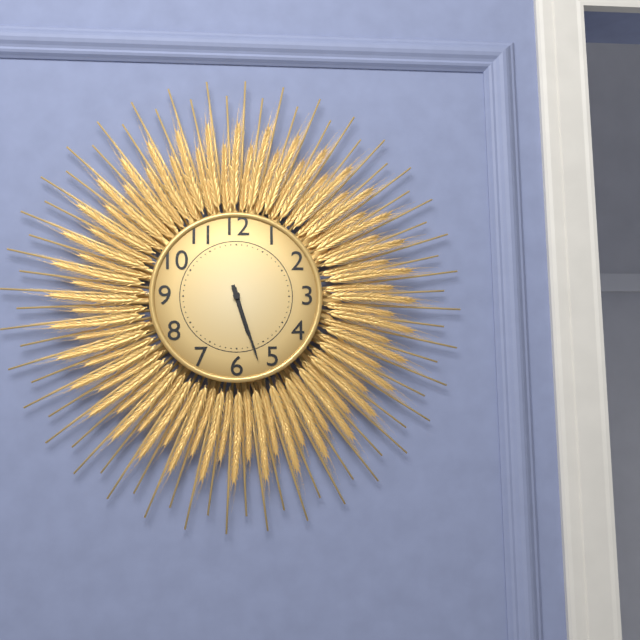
5:27
